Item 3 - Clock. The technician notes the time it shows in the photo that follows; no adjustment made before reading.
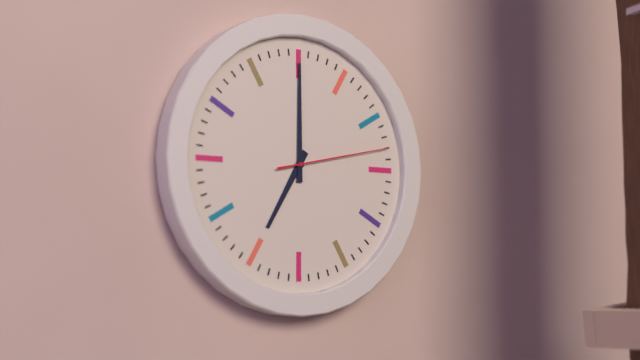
7:00:13
